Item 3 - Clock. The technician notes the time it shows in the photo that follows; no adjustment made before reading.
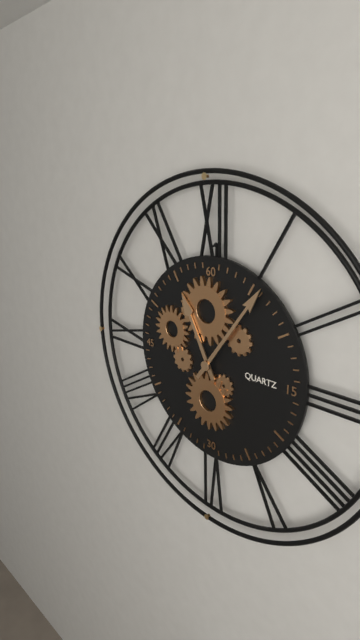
11:06
